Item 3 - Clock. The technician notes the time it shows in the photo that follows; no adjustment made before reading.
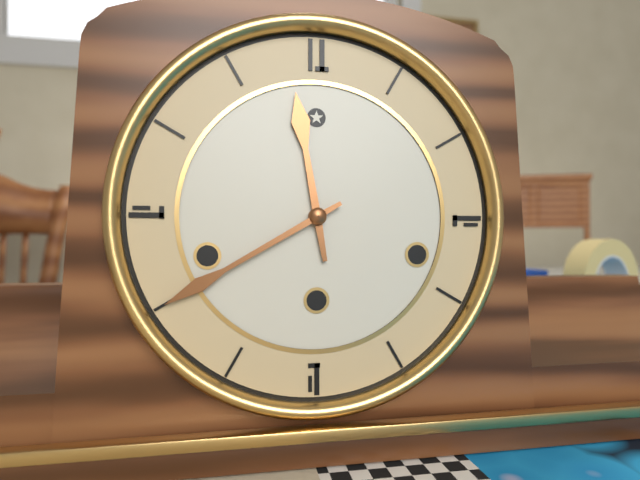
11:40
